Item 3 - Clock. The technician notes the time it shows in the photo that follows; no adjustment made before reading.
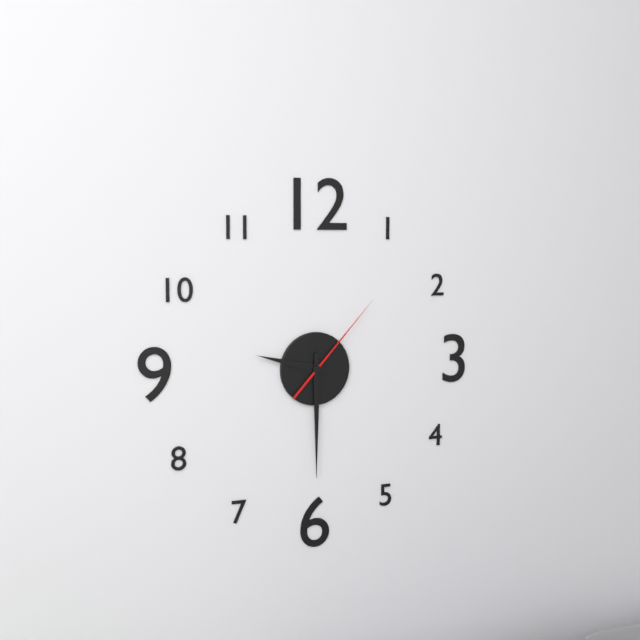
9:30:07
